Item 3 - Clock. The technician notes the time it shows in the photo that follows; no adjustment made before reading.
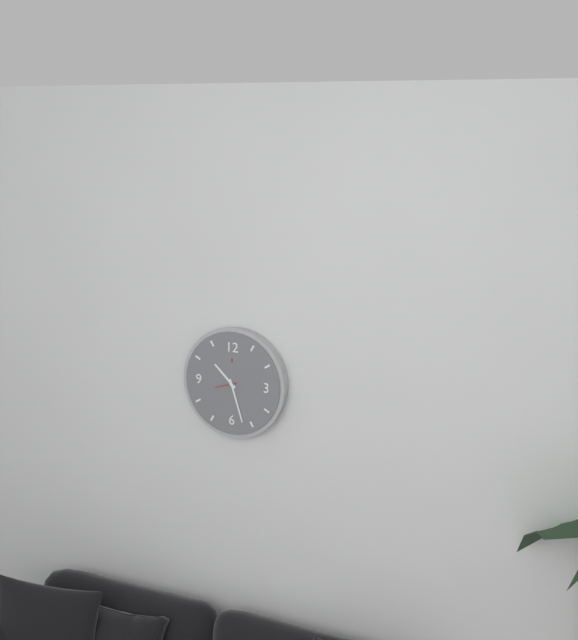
10:27
